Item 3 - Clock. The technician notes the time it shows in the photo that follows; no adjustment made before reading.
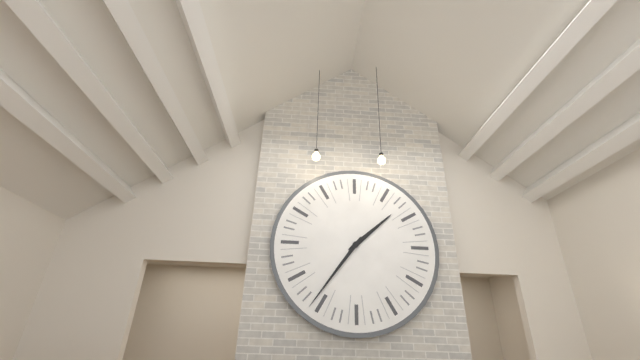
1:36
